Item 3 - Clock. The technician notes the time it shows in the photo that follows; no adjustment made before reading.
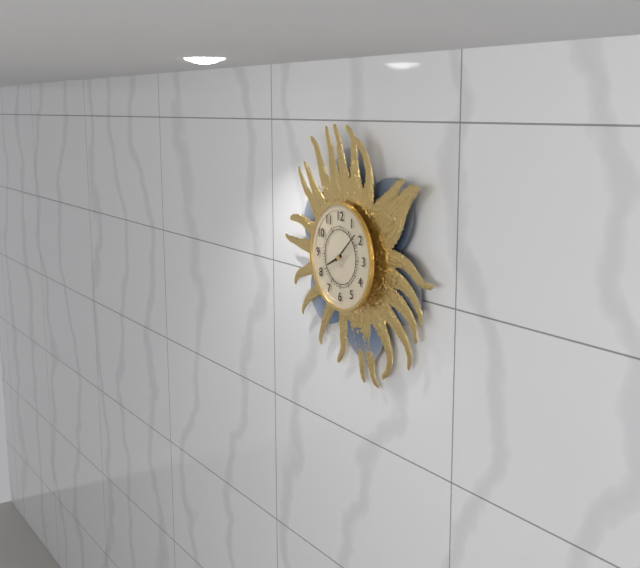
8:08
